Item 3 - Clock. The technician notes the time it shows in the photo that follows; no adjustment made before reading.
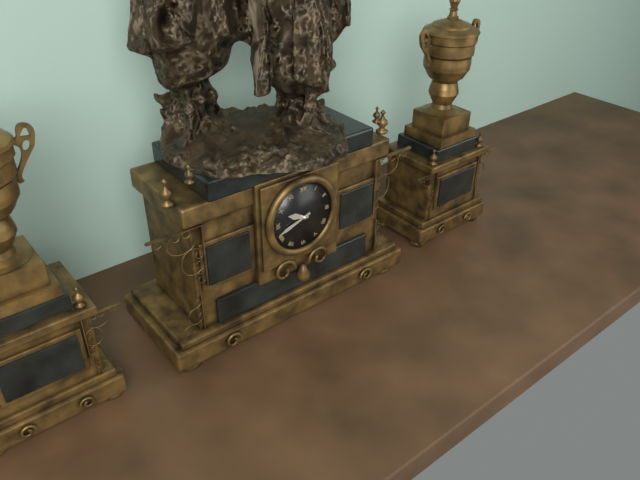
9:42
